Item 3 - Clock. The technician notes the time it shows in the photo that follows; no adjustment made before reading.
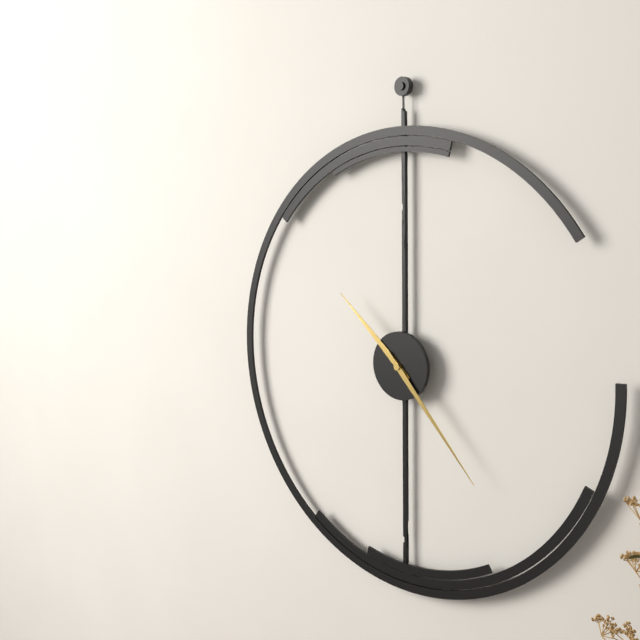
10:23
